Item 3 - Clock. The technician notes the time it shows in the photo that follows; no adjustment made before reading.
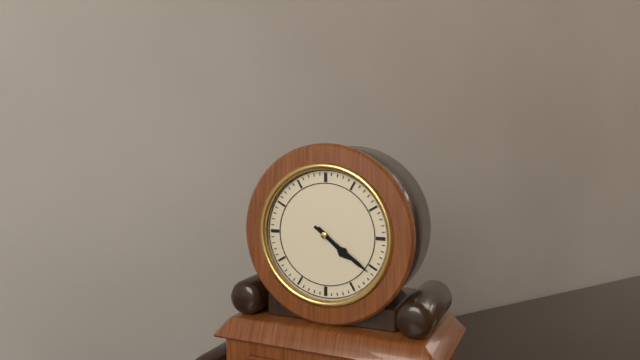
4:21
